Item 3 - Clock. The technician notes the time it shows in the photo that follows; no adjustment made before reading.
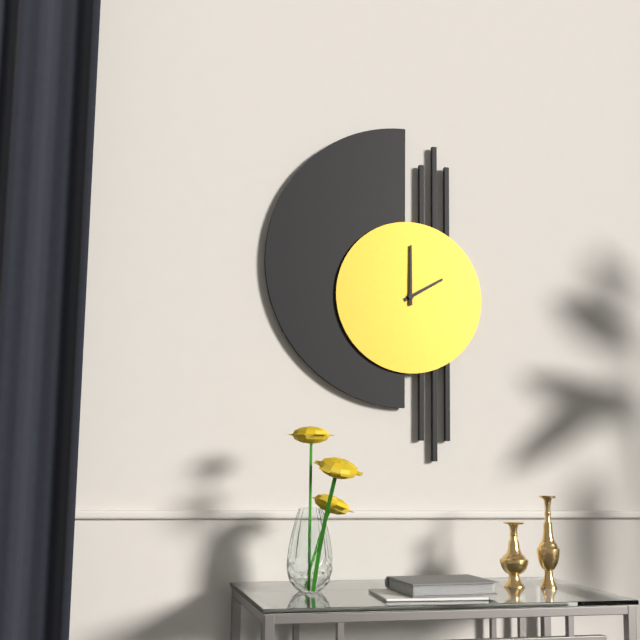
2:00
